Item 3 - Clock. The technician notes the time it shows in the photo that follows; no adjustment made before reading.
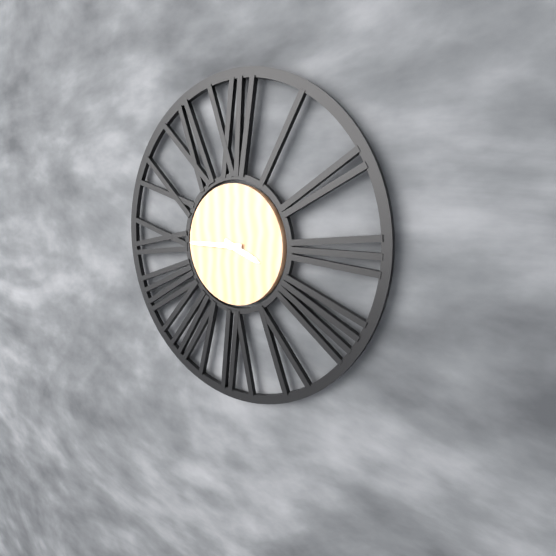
3:45
